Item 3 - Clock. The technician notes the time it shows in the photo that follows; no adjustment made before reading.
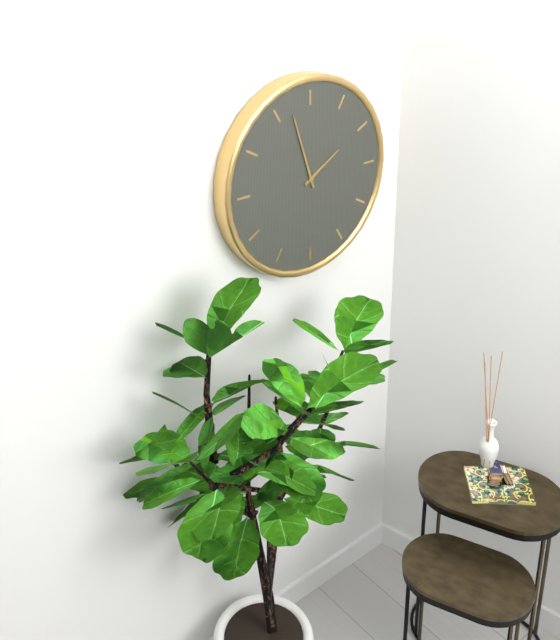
1:57
